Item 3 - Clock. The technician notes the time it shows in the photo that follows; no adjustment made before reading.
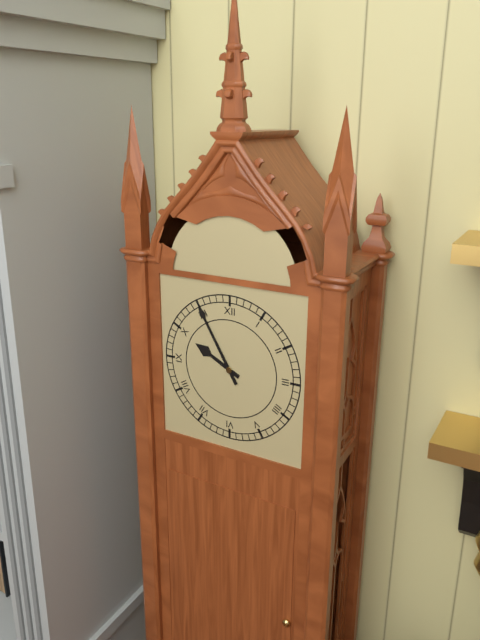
9:55
